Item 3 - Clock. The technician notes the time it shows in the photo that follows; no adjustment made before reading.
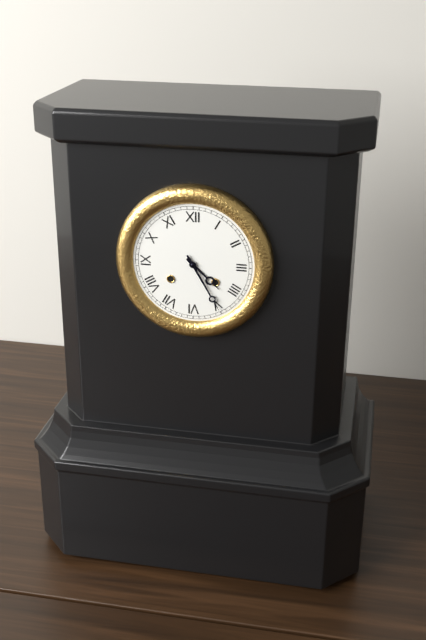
4:25
